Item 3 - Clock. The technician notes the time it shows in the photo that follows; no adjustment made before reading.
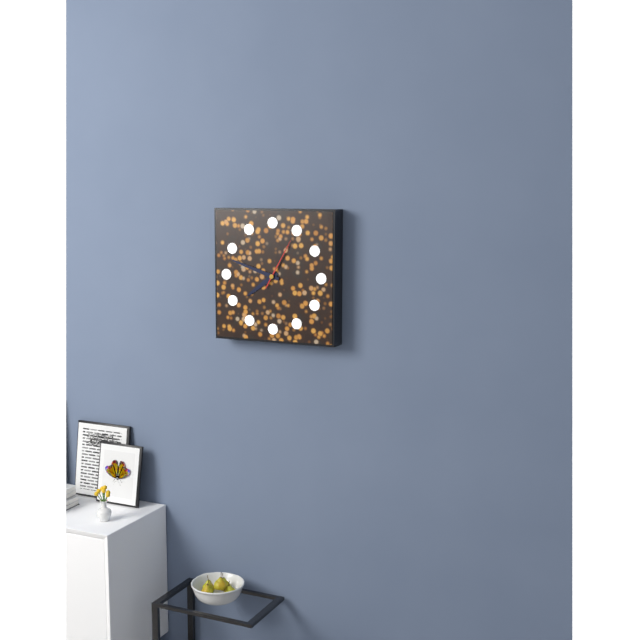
7:48:05
